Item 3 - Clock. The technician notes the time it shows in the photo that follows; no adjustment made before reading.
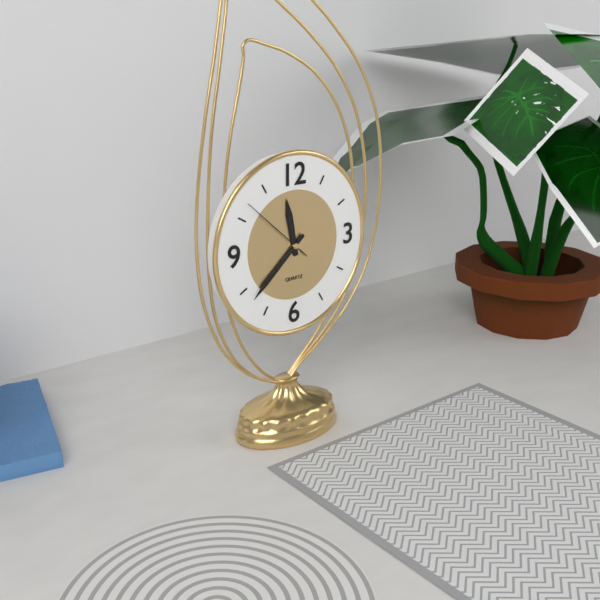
11:38:52
